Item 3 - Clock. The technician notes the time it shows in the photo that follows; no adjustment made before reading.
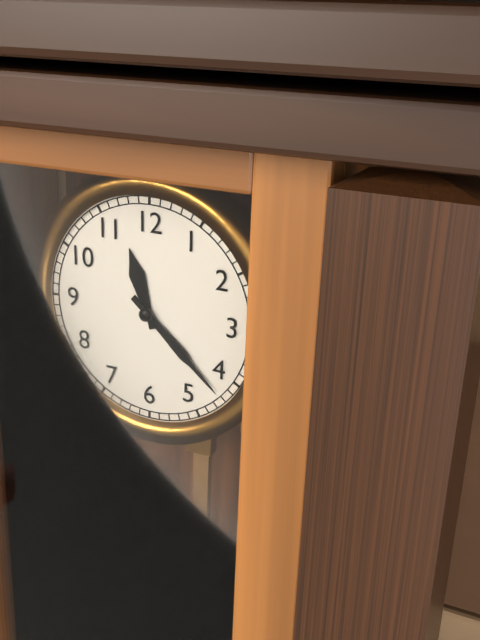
11:22
